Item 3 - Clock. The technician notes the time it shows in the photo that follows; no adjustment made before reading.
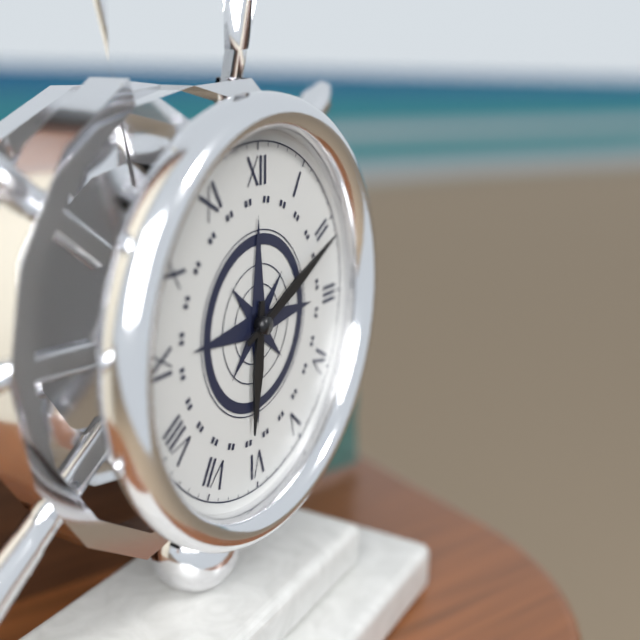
6:11
